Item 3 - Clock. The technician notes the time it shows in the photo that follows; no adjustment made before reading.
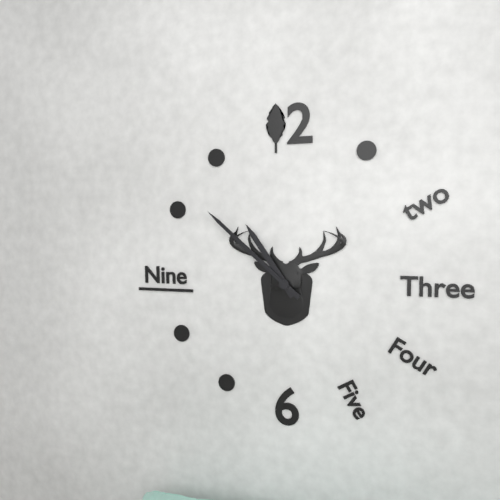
10:52
